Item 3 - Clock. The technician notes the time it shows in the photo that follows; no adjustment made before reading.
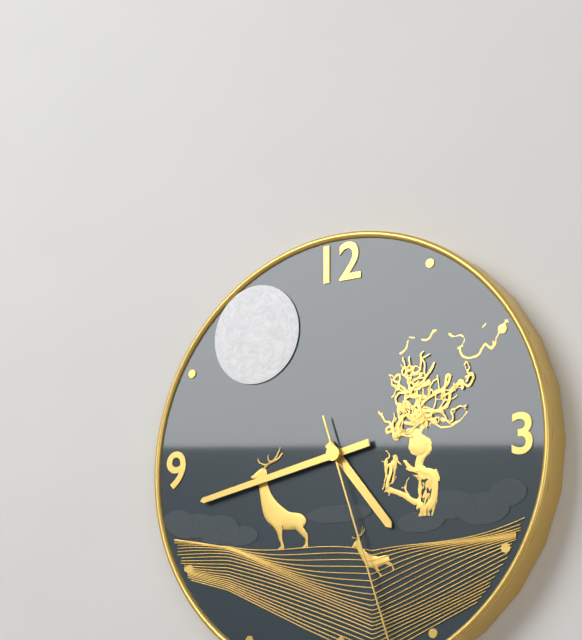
4:43
